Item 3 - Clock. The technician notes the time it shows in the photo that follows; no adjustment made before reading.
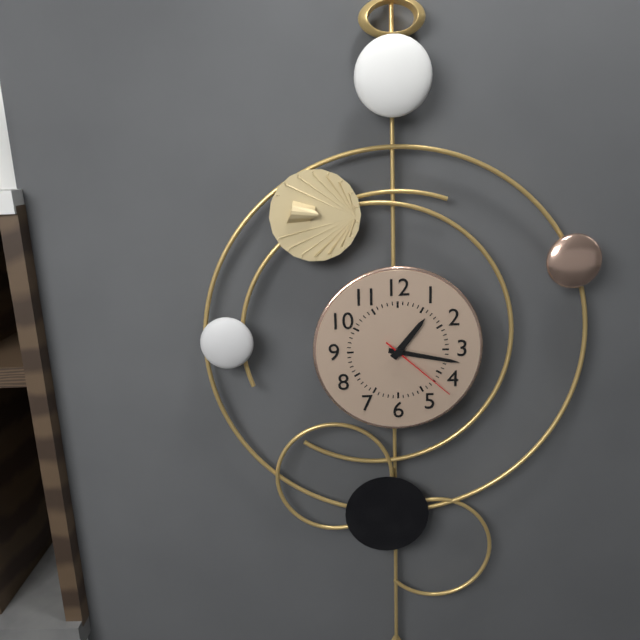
1:17:22
